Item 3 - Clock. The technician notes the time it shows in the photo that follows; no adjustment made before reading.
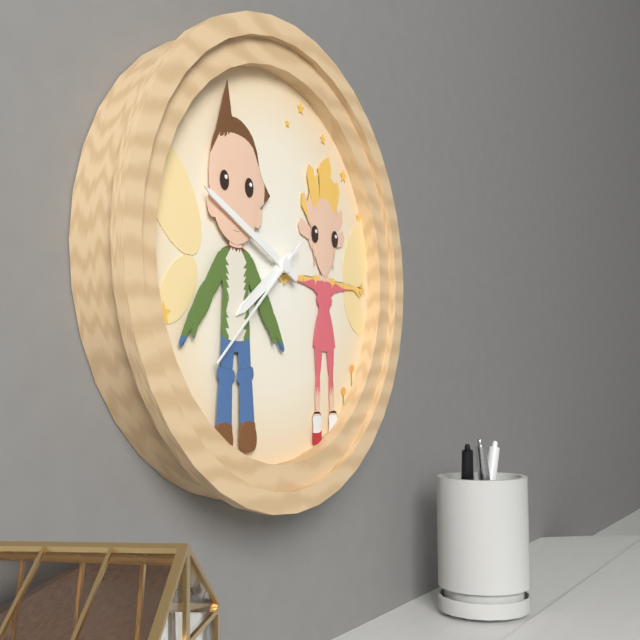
7:49:38
